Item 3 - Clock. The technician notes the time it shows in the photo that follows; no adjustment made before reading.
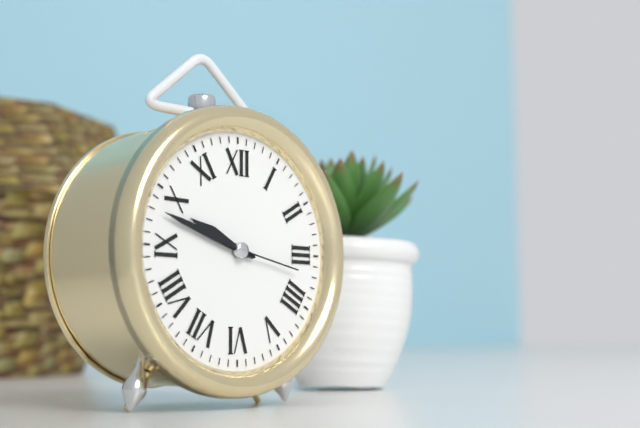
9:48:17
